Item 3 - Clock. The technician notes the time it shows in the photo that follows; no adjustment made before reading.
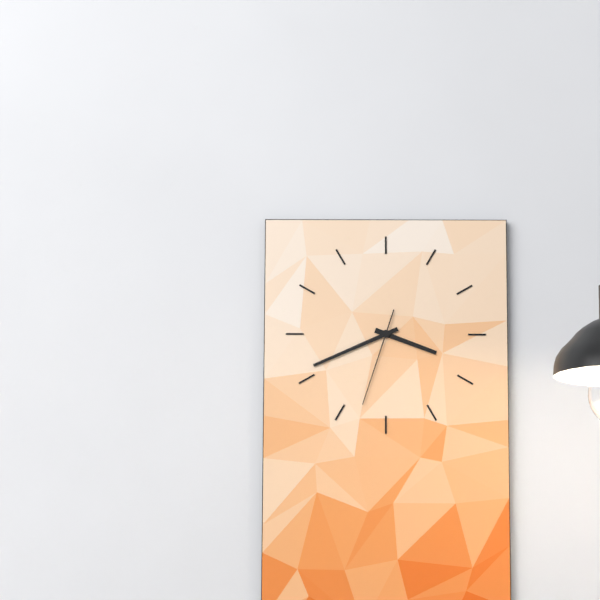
3:41:33
